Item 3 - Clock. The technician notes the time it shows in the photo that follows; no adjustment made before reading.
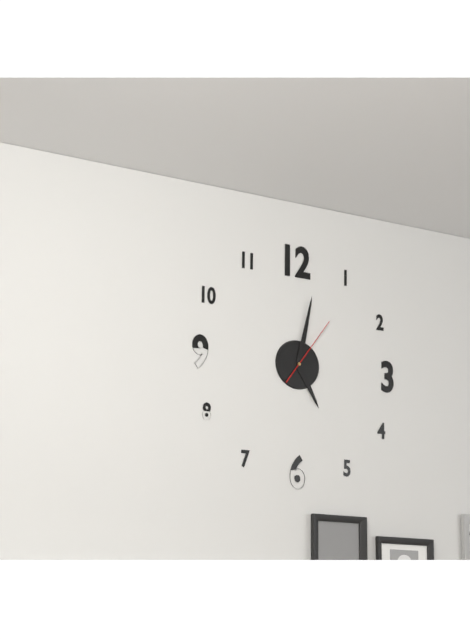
5:02:06
